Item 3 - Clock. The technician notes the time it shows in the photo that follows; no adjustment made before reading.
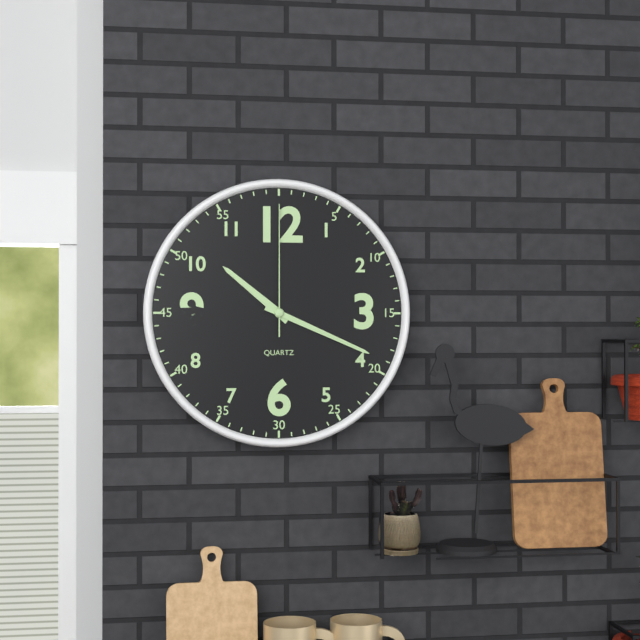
10:19:00
